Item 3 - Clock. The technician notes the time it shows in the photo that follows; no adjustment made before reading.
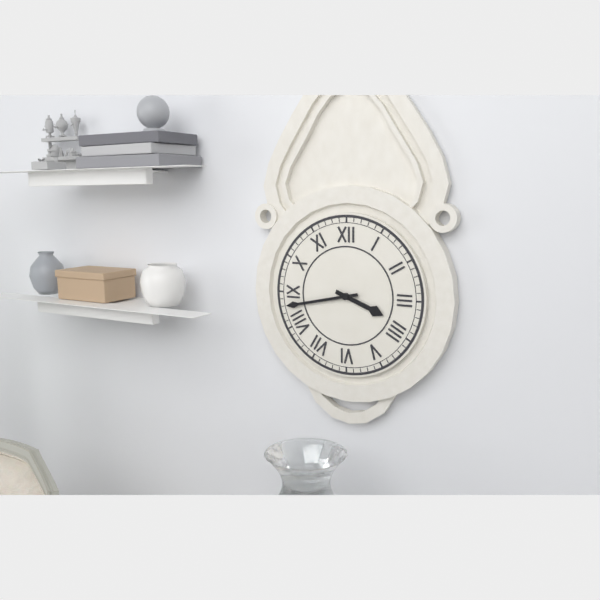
3:43
